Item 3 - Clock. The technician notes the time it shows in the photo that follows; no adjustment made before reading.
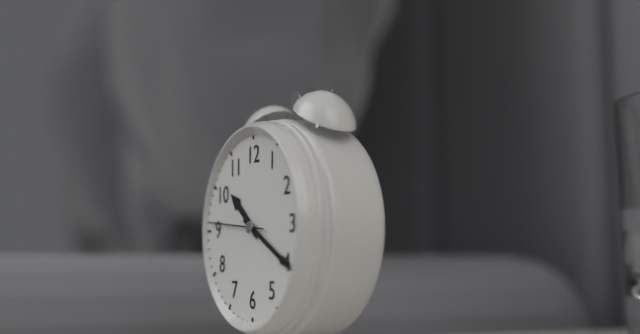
10:20:46
